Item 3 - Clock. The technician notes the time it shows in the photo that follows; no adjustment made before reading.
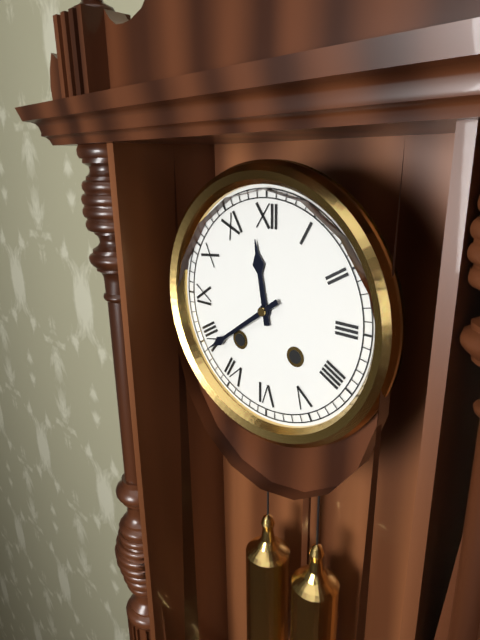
11:39
